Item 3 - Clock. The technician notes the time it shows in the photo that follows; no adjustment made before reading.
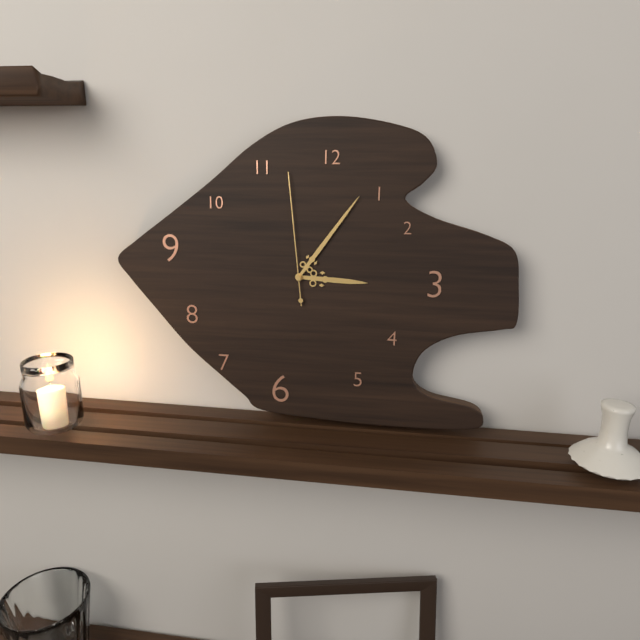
3:06:59
